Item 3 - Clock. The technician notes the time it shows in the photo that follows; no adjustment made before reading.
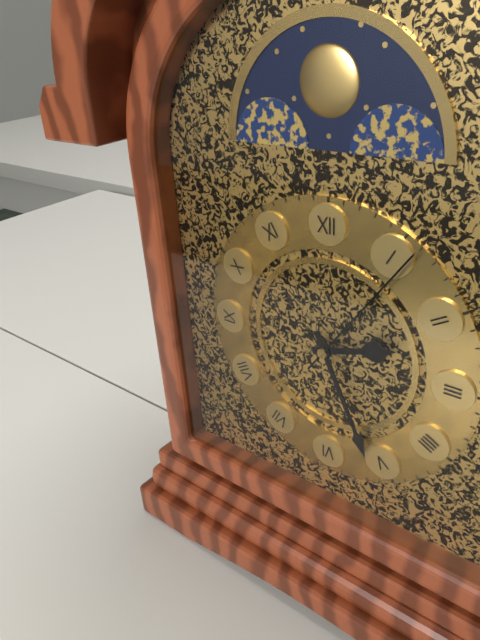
2:26:06
